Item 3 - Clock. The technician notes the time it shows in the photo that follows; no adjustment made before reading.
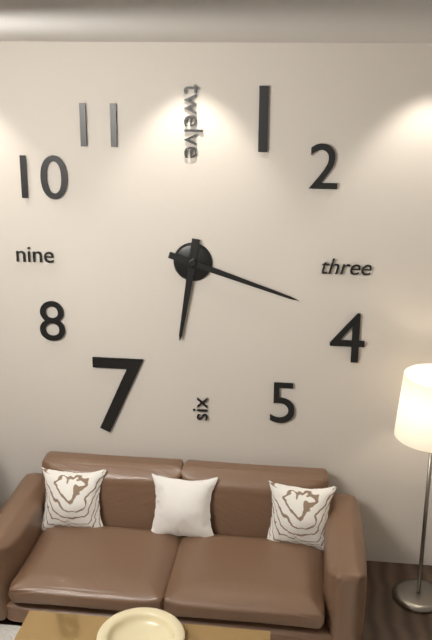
6:18
